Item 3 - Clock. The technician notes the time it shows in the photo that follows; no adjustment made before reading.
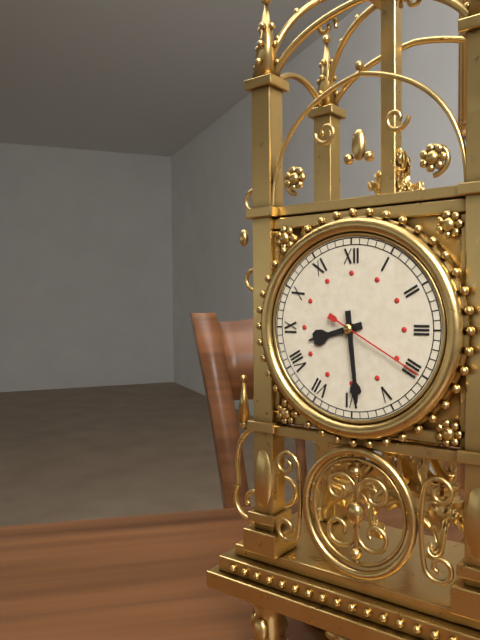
8:29:20
